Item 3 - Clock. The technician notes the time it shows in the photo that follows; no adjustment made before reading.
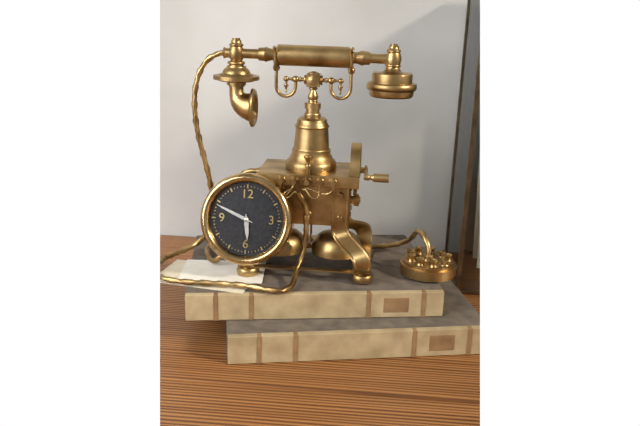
5:49
